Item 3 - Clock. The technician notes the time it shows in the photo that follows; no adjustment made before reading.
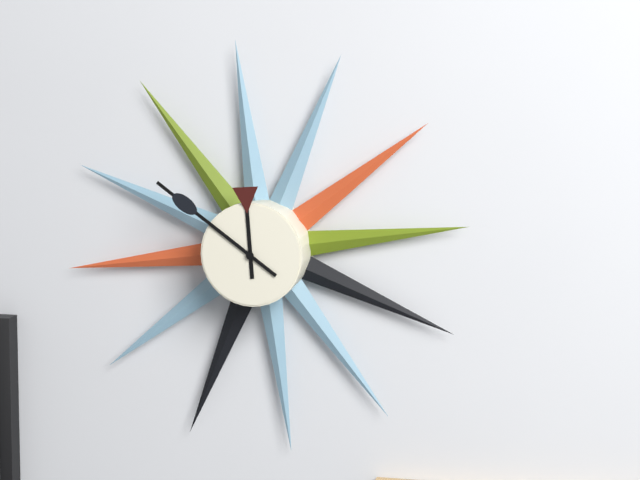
11:51
